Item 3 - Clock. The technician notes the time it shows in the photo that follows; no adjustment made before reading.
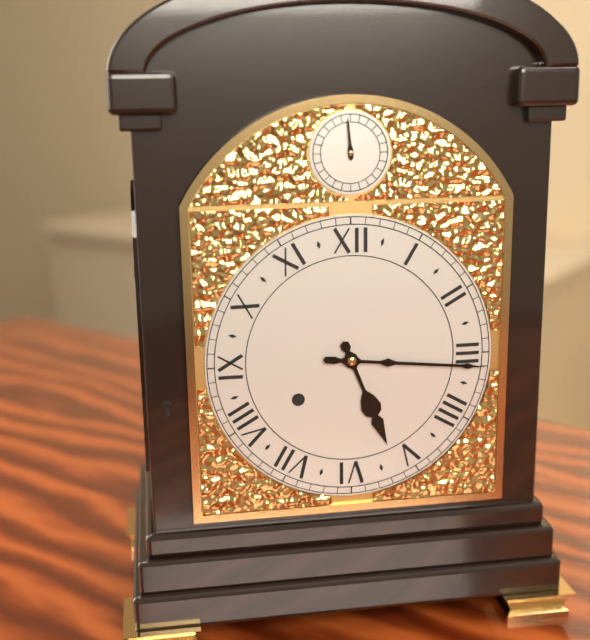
5:16
